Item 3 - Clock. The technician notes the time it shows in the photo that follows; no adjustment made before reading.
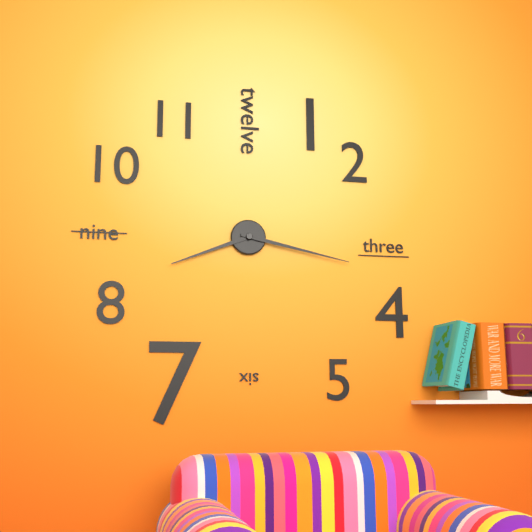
8:17
